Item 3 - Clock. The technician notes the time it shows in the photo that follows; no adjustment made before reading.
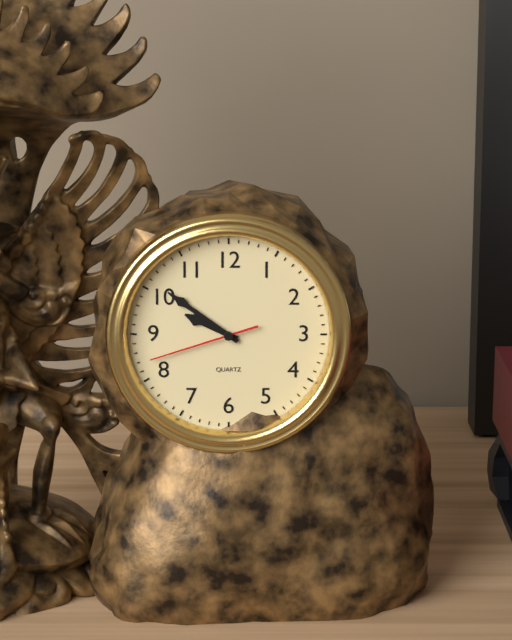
9:51:42
